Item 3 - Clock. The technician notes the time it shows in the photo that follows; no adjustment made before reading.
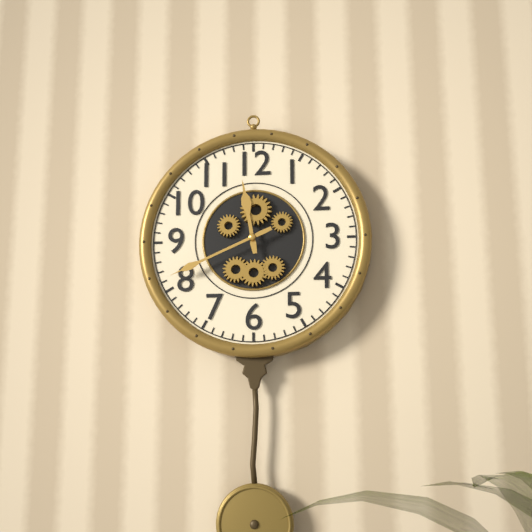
11:41
